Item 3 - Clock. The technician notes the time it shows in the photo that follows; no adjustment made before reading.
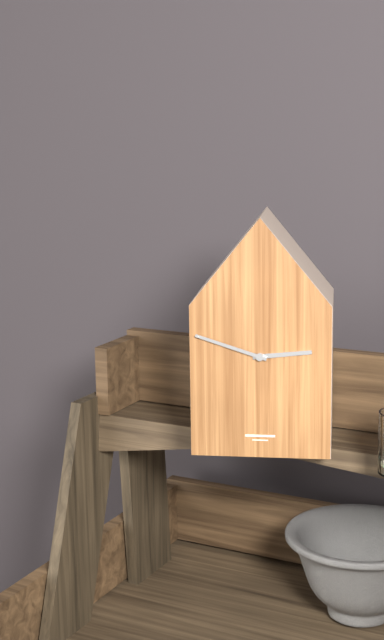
2:48
